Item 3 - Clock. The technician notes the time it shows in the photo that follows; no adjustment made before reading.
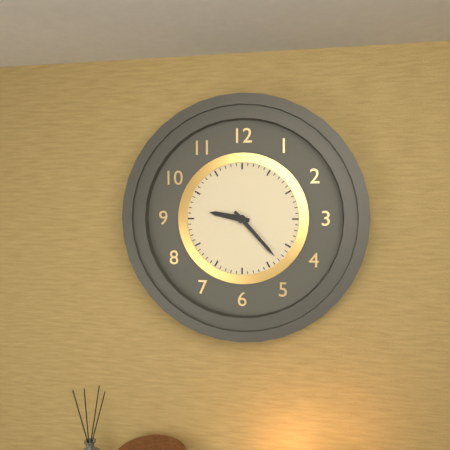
9:23
